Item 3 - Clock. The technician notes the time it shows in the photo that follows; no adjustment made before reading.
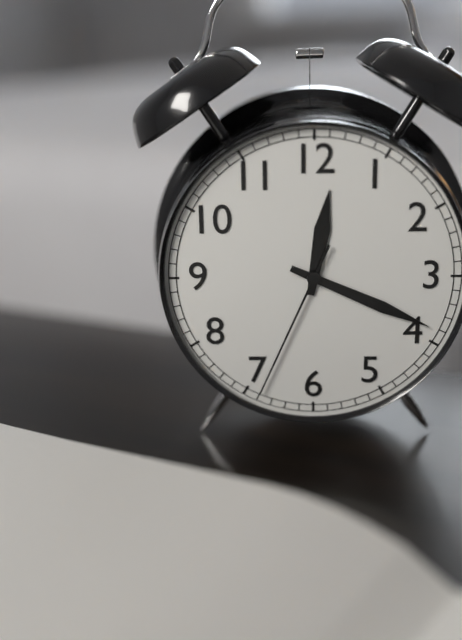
12:19:34
